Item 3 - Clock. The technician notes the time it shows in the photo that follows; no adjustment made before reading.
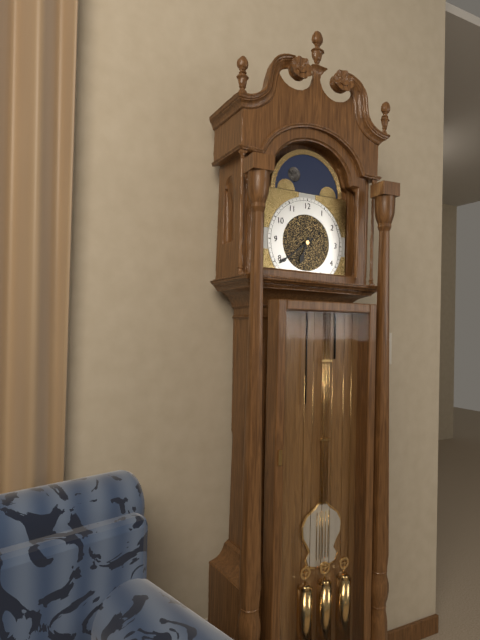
6:39
